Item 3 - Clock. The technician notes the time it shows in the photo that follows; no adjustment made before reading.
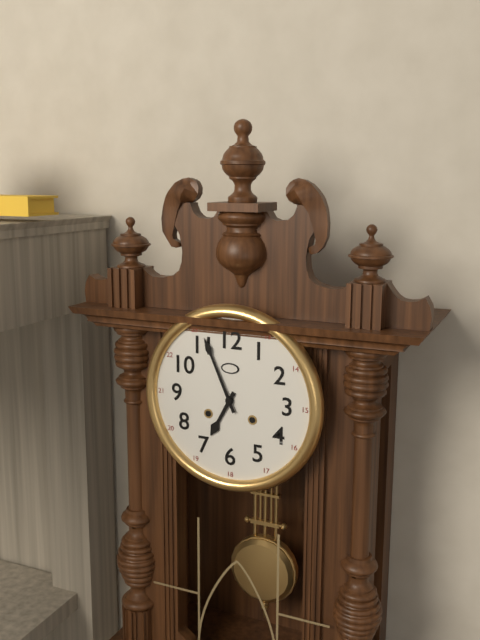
6:56
